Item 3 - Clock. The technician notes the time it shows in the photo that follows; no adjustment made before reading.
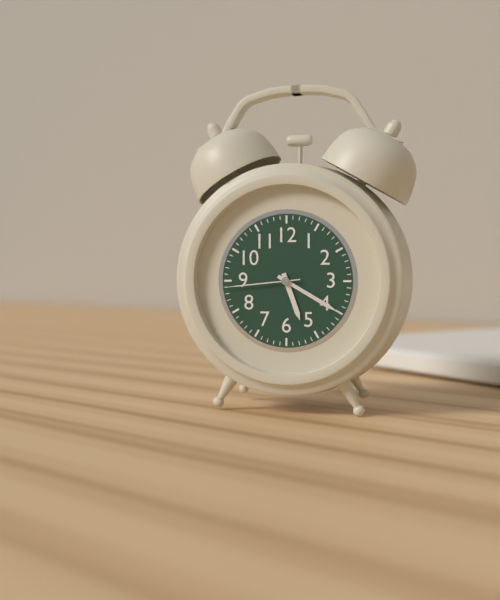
5:20:44
